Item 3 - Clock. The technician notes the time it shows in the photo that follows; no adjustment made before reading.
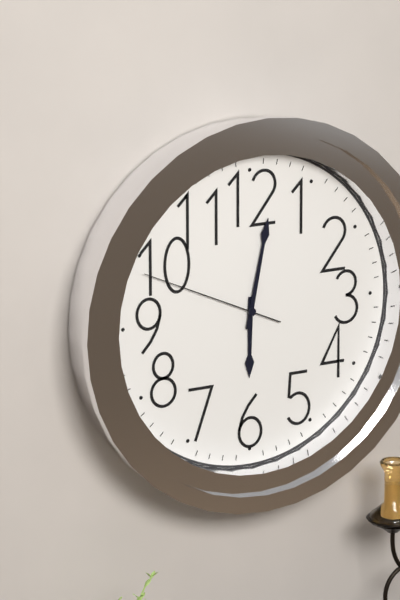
6:02:49
